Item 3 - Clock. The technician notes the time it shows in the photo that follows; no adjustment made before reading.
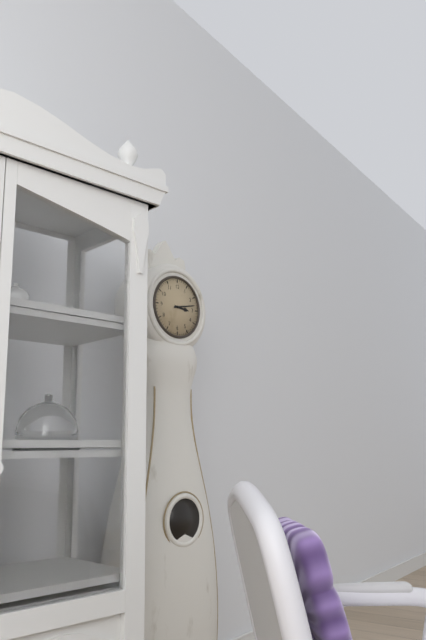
3:13
